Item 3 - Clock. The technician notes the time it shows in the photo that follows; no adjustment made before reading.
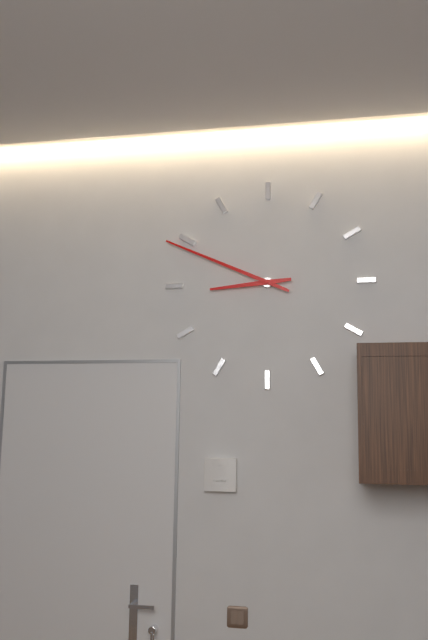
8:49
